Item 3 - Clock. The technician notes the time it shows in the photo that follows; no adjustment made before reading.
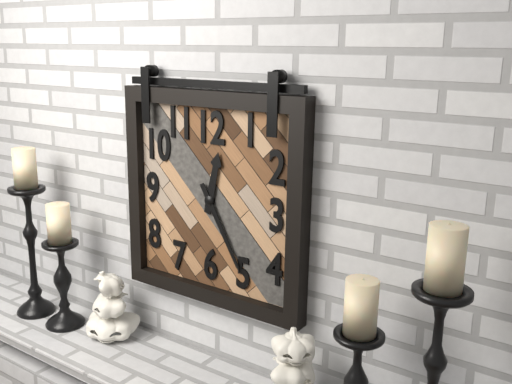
12:25
